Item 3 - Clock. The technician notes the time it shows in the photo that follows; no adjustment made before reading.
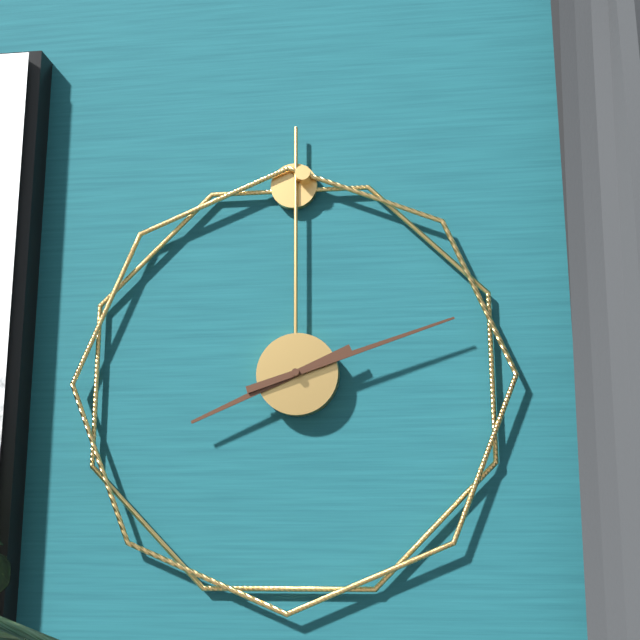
8:12
